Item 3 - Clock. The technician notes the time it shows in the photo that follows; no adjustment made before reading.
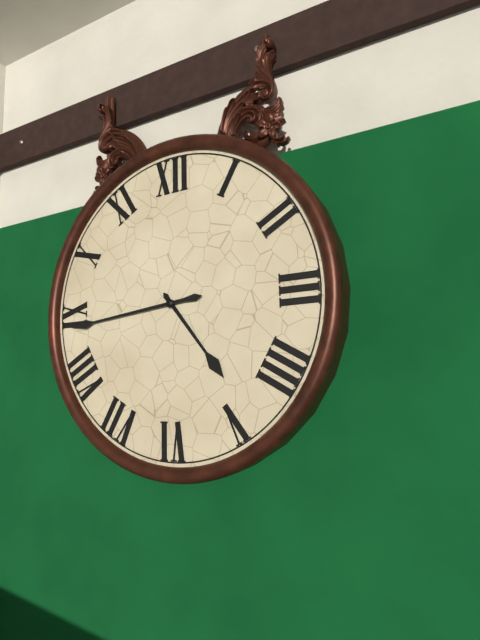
4:44
